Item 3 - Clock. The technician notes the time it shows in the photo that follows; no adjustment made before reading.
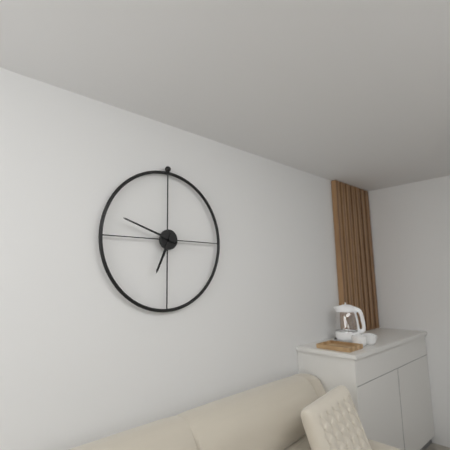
6:48
